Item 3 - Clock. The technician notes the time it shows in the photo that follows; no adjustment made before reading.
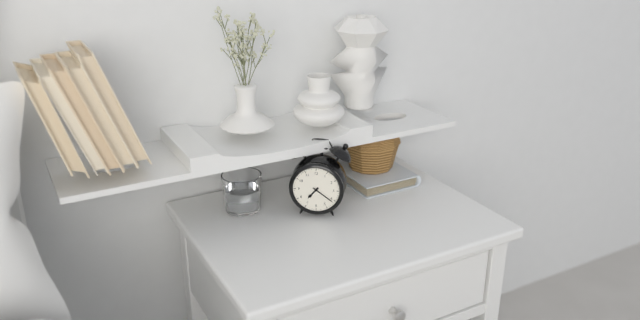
7:21
